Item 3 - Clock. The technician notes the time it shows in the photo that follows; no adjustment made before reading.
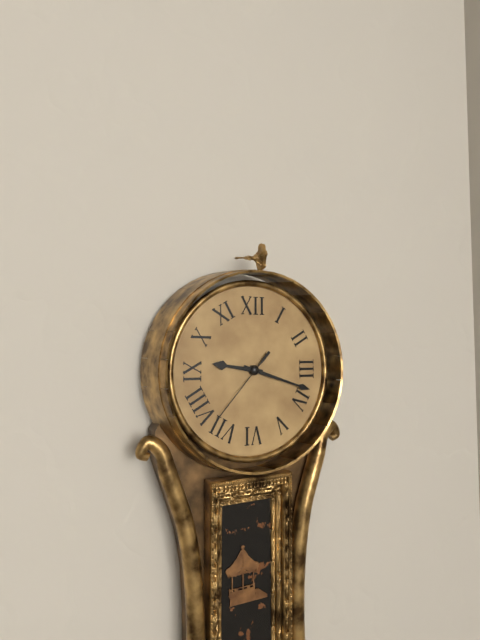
9:18:37
